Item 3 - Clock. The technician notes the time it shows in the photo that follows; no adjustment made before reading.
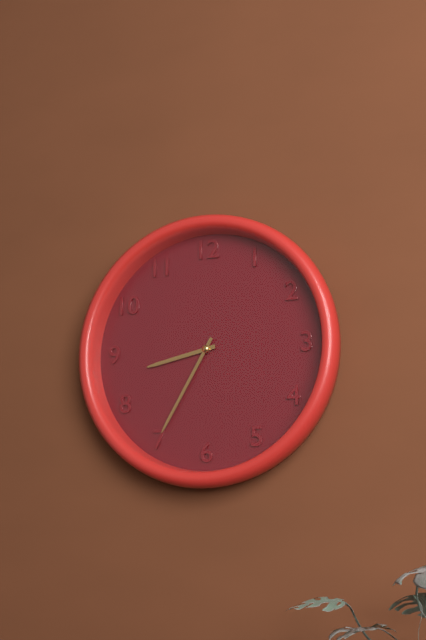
8:35
